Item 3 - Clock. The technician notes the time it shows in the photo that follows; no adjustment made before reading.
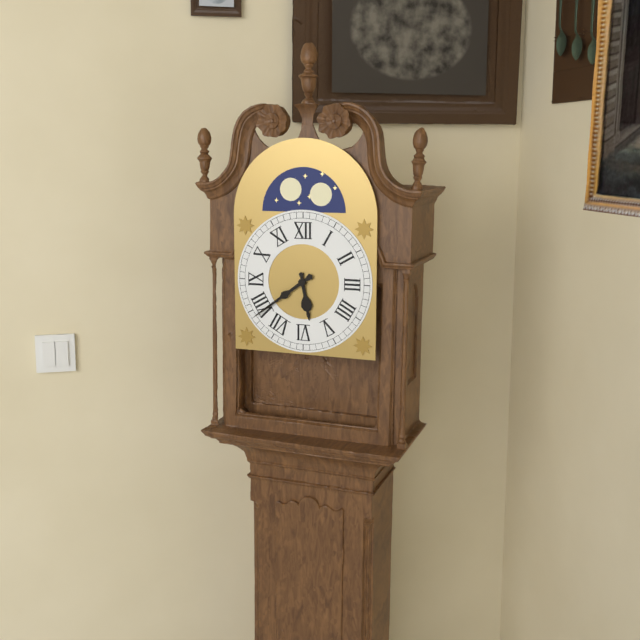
5:39
